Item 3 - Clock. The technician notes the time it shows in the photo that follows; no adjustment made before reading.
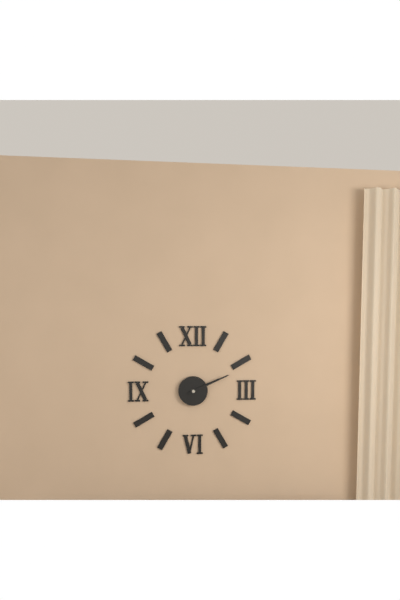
2:11
